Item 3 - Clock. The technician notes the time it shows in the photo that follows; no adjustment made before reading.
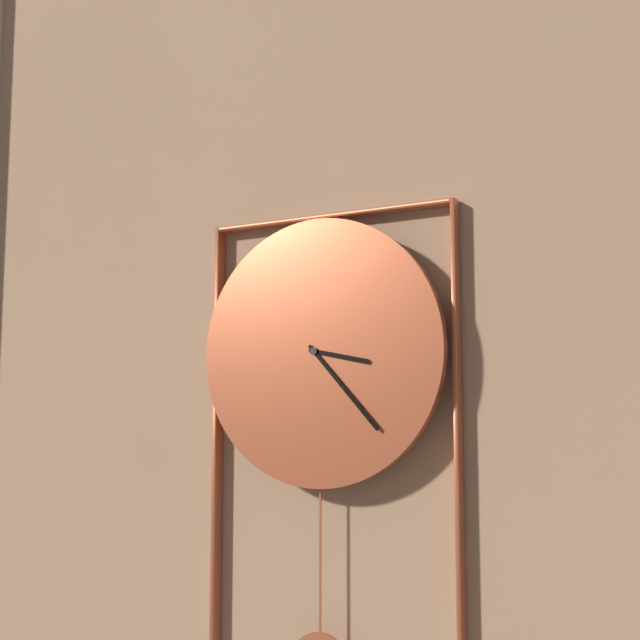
3:23
